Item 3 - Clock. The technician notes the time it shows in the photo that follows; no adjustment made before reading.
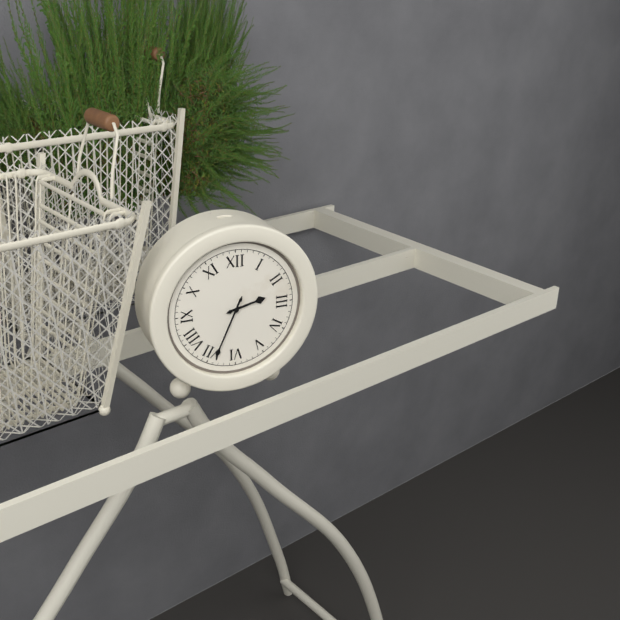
2:34
